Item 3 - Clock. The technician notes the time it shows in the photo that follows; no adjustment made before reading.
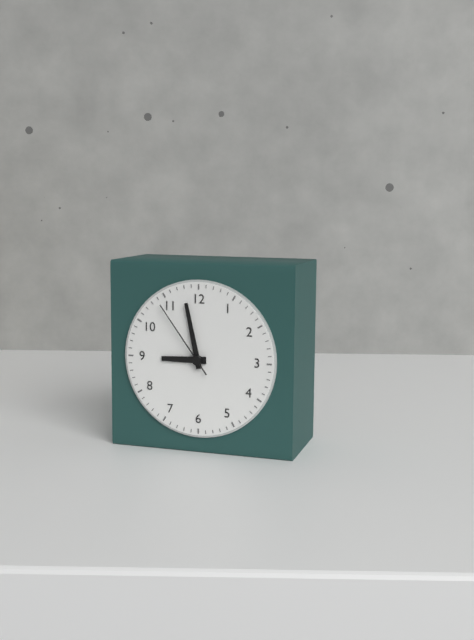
8:58:54
